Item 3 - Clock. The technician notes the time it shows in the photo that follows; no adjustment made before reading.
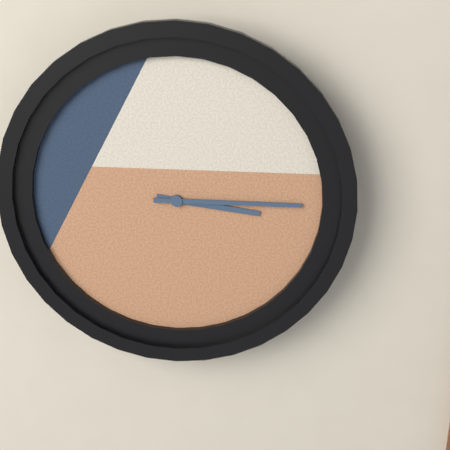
3:15
